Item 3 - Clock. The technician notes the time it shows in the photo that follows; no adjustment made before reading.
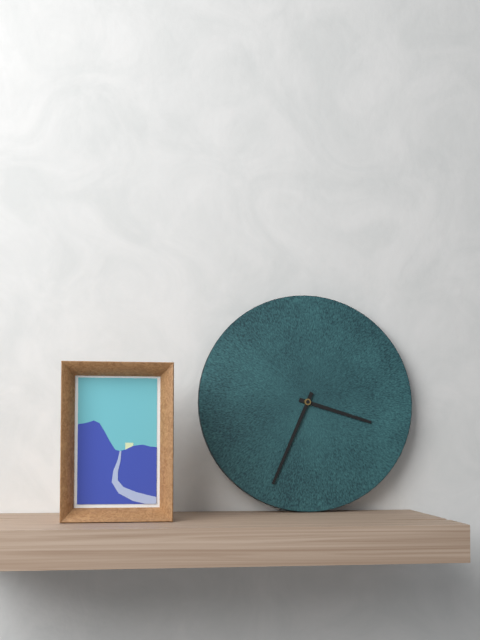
3:34
